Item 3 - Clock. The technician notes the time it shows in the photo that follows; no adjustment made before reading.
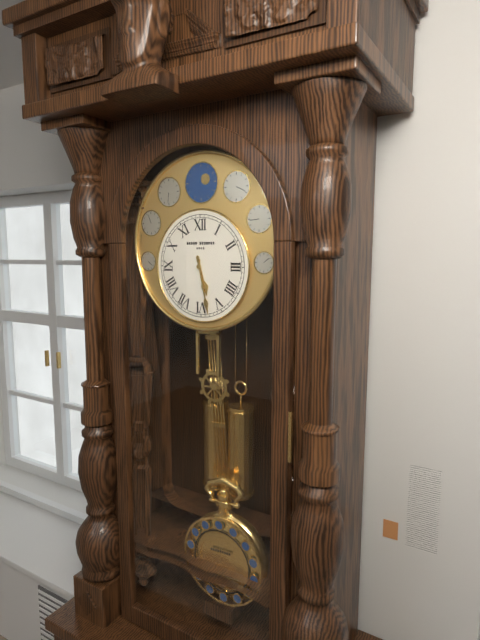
5:28
